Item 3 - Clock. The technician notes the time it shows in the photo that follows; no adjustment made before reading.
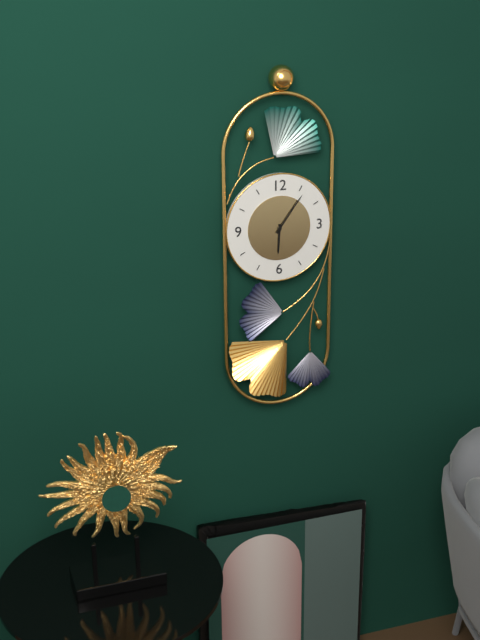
6:06
